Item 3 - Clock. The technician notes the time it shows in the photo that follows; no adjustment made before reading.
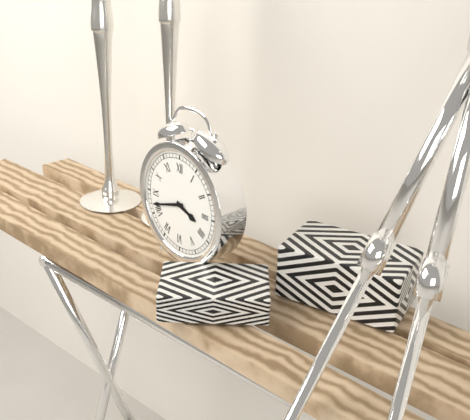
3:42
